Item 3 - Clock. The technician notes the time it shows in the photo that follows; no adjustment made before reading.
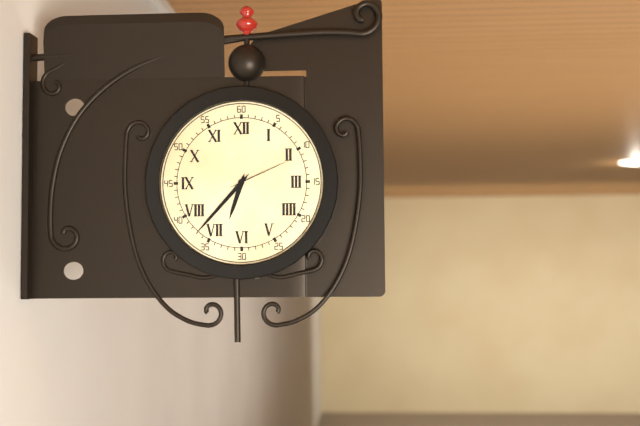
6:37:11
